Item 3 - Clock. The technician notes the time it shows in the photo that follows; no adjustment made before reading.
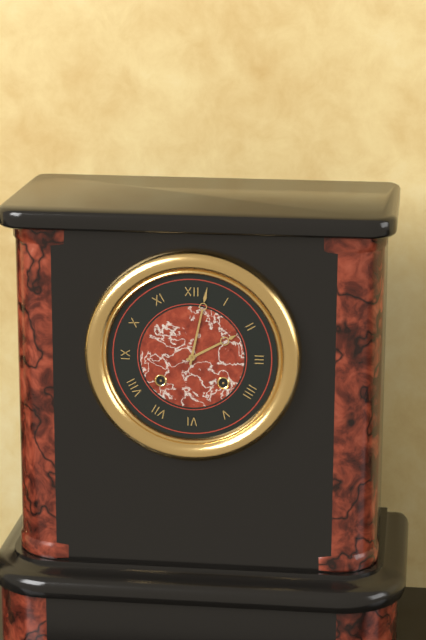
2:02
